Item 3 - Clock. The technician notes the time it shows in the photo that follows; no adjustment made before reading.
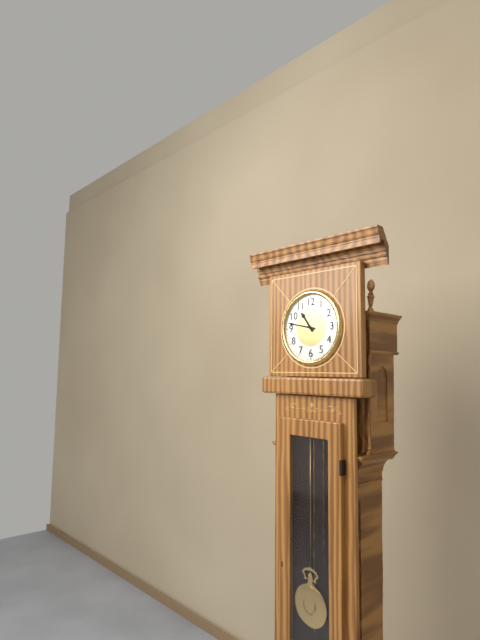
10:47
